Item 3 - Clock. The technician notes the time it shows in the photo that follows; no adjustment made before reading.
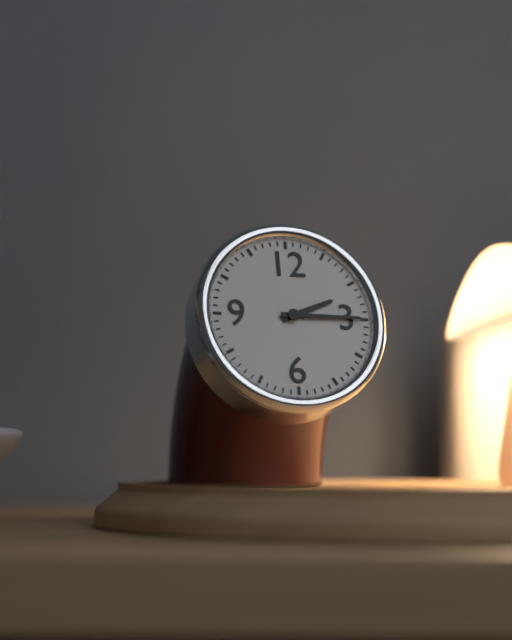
2:15
